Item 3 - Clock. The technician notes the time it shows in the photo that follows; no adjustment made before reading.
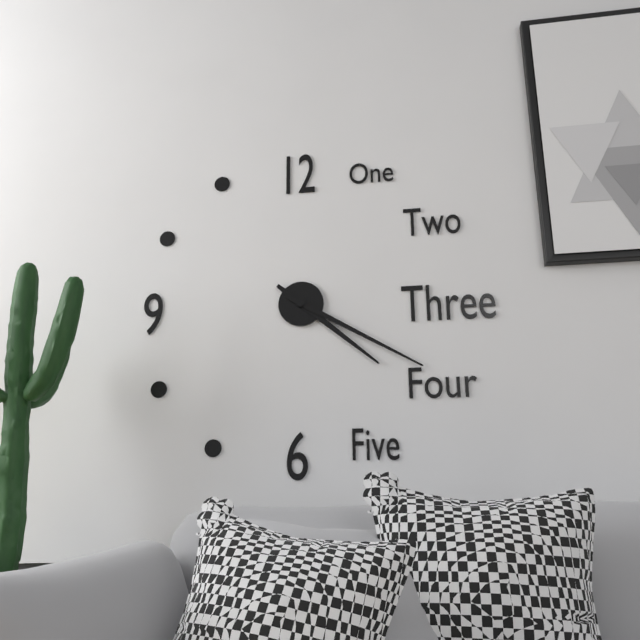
4:20
